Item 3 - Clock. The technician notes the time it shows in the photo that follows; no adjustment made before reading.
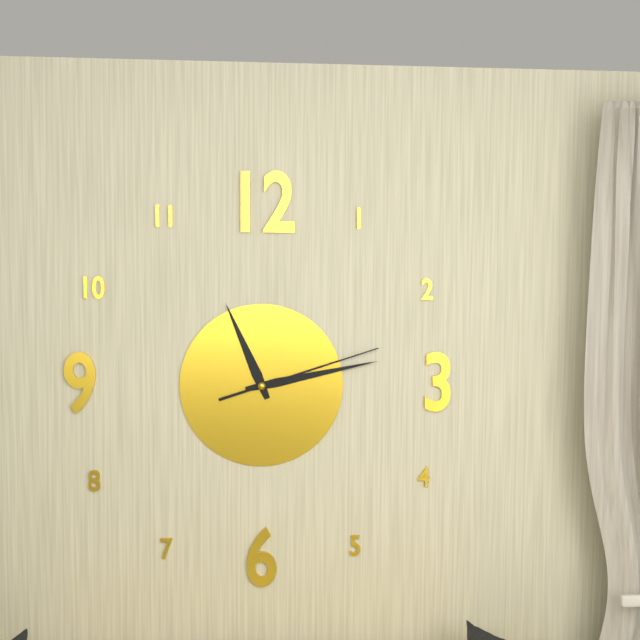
11:13:12
